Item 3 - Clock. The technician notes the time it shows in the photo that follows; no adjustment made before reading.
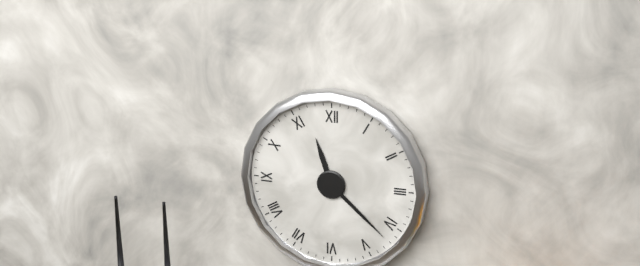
11:22
